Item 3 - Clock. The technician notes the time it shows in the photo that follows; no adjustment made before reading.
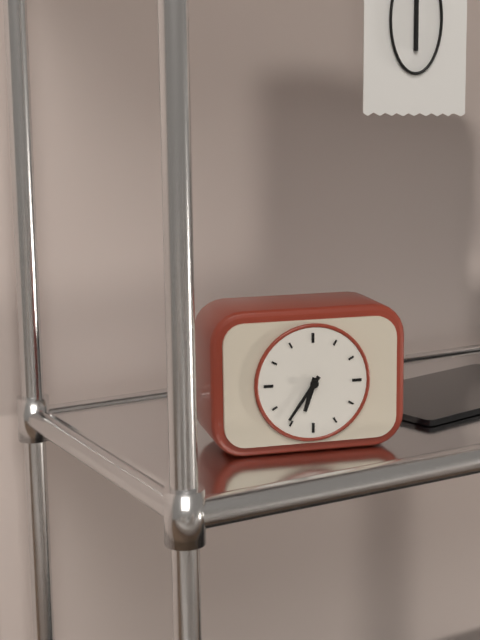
6:36
